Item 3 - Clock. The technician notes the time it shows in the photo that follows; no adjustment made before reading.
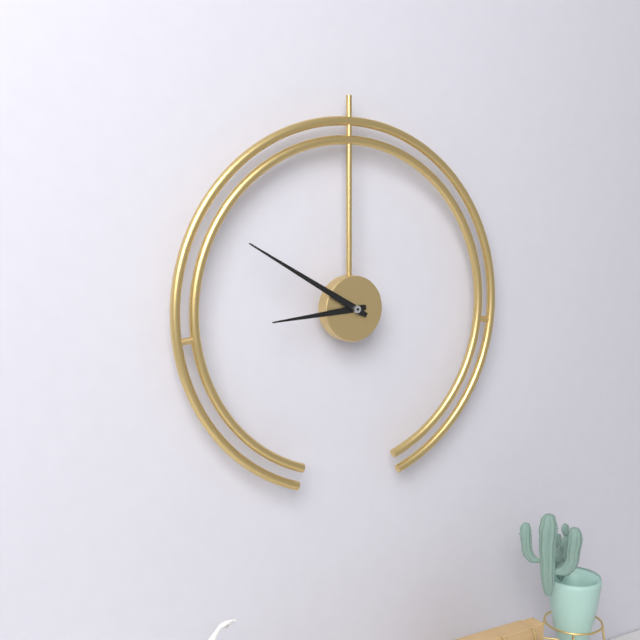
8:50
